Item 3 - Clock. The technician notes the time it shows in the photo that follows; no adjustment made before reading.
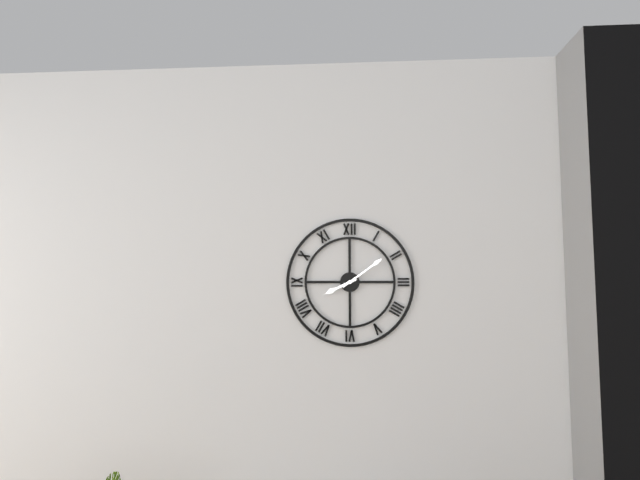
8:09
